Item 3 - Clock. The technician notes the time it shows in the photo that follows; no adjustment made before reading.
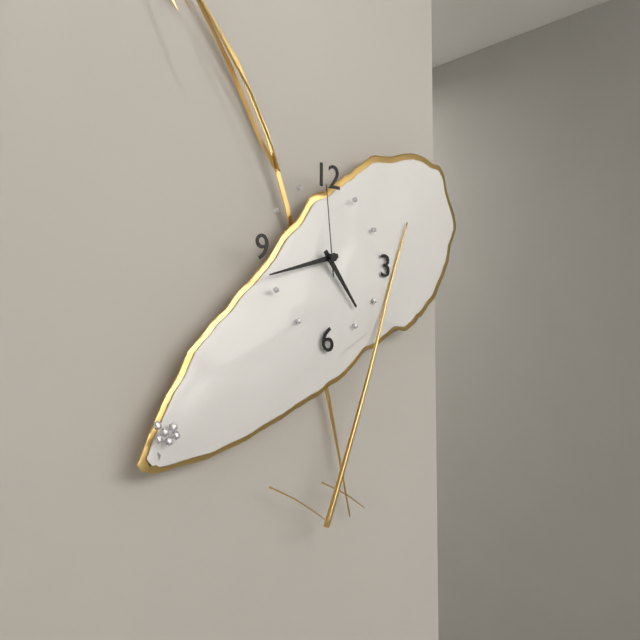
4:42:59
